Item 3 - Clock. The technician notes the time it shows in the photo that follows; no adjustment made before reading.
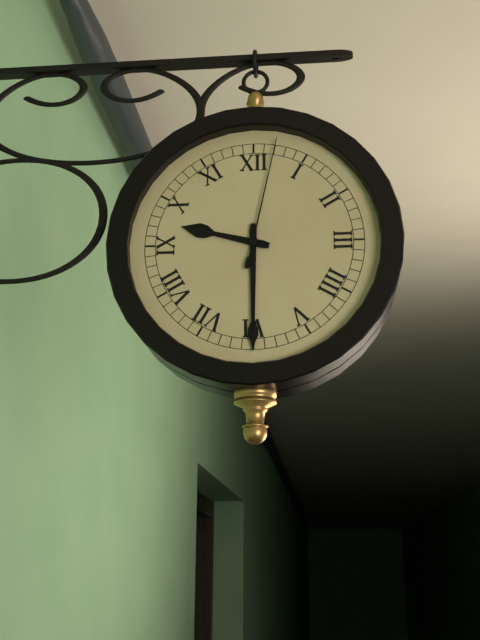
9:30:02
